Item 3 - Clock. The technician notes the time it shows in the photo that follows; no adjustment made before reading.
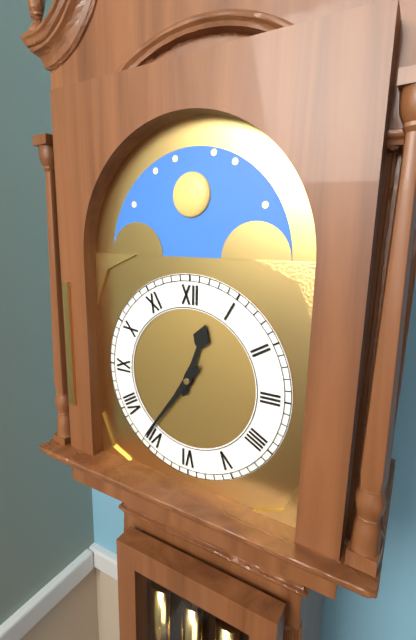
12:36
